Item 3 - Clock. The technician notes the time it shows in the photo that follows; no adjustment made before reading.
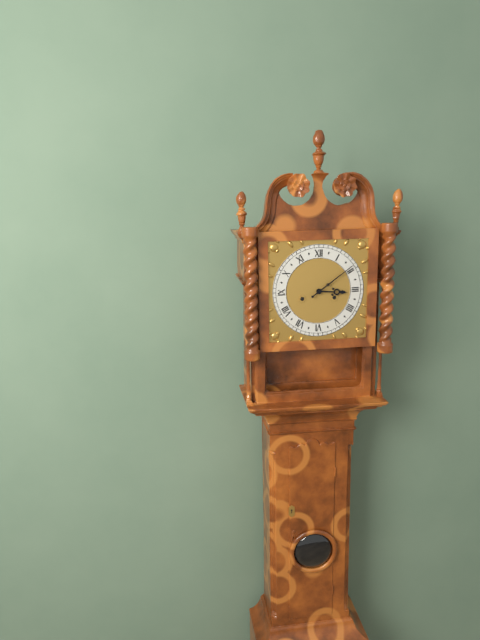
3:09
